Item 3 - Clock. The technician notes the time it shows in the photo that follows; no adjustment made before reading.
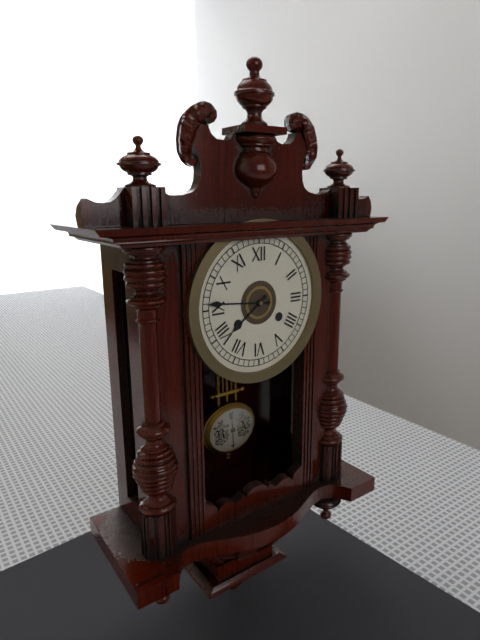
7:46
